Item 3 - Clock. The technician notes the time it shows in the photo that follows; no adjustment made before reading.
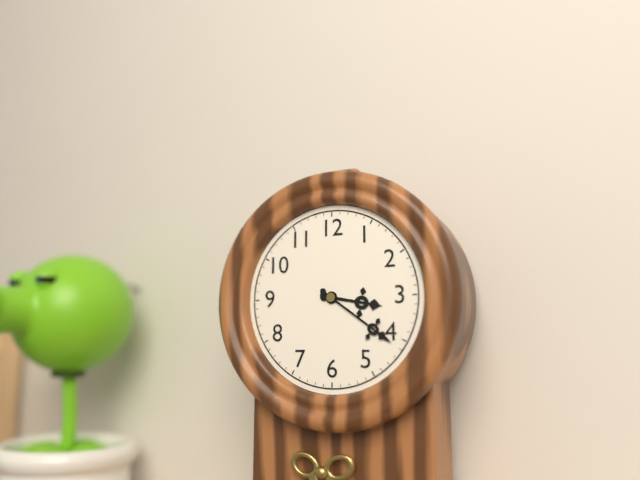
3:21
